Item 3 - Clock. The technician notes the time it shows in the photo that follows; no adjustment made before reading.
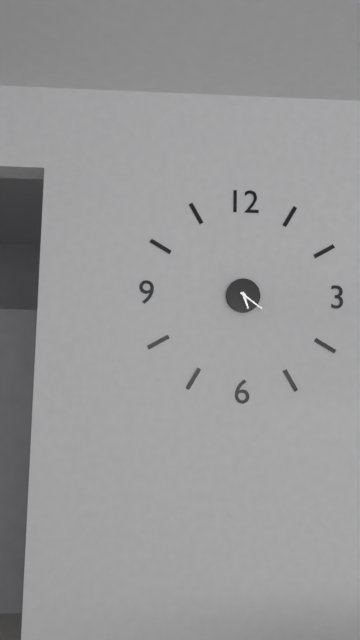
5:21
